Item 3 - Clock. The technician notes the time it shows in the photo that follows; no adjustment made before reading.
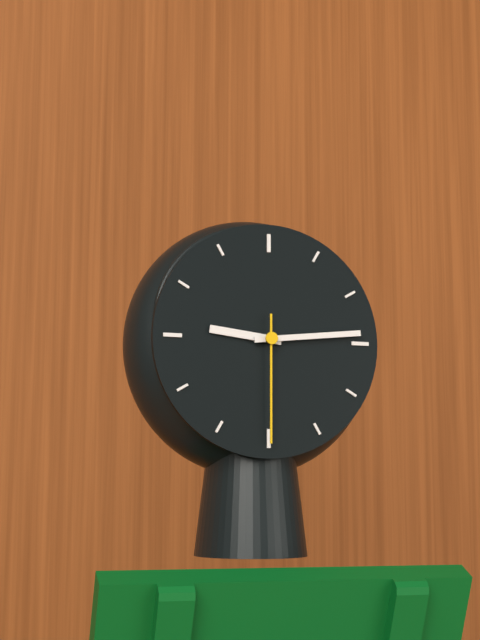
9:14:30
